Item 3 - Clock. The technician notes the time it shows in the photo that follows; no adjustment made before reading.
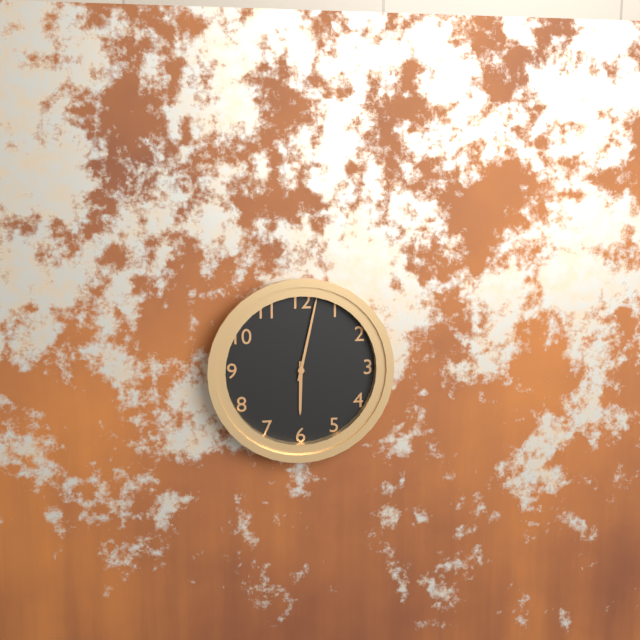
6:02
